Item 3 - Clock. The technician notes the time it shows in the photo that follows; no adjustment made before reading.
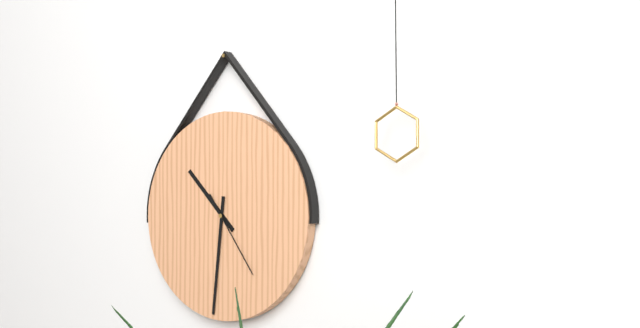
10:31:24
